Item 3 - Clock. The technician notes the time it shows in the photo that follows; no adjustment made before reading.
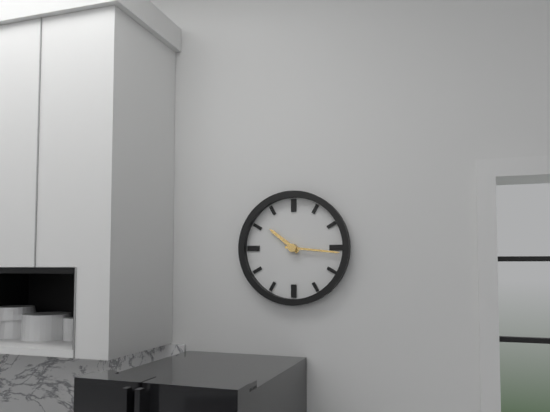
10:16
